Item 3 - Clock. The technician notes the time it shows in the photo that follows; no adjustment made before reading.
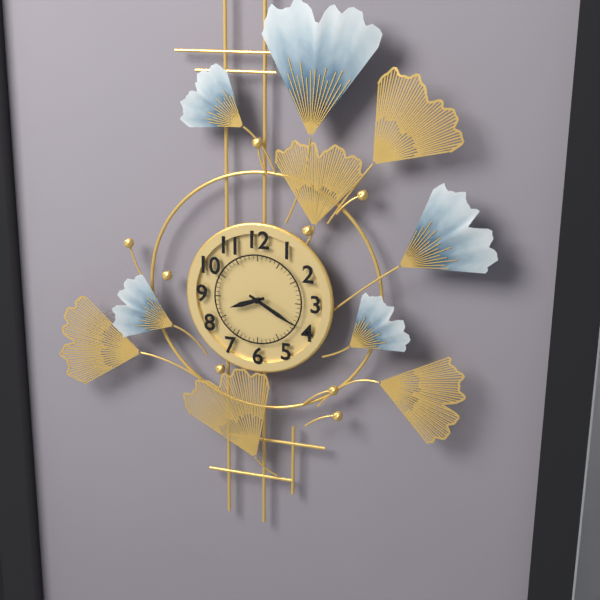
8:20
